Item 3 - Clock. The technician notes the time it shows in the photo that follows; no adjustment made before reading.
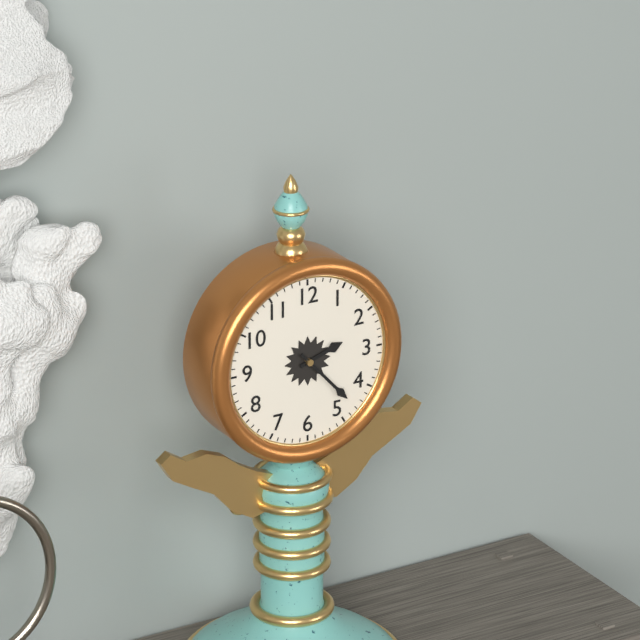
2:23
